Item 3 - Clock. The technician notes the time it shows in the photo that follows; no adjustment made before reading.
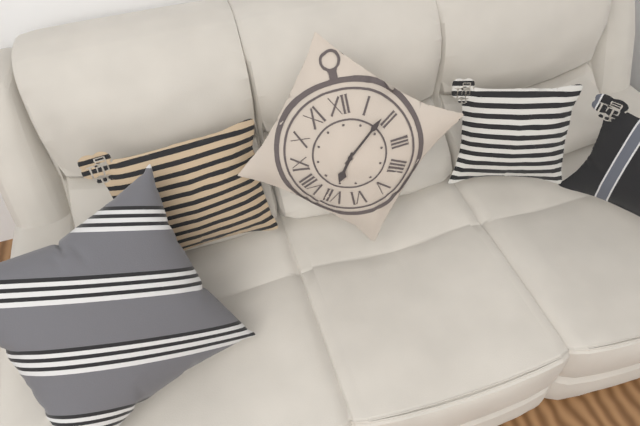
7:08
